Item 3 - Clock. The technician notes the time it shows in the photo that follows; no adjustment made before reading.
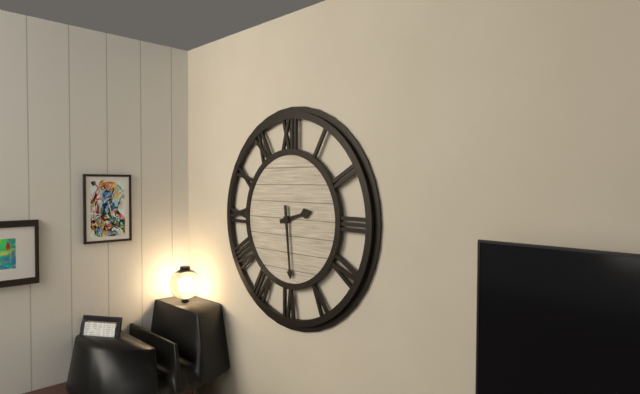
2:29
